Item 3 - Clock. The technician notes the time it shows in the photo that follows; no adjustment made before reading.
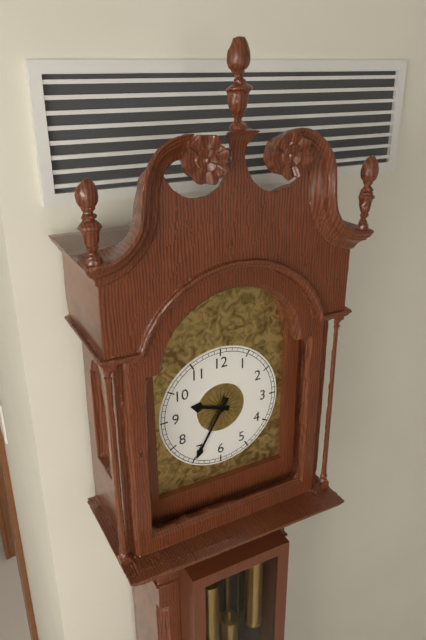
9:35
